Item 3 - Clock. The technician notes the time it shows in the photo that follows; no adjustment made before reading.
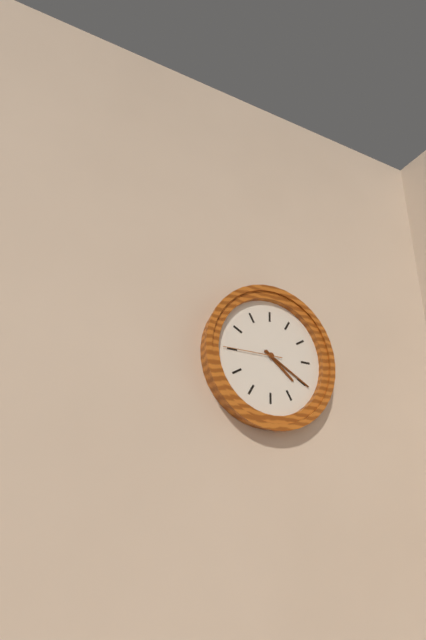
4:20:45
